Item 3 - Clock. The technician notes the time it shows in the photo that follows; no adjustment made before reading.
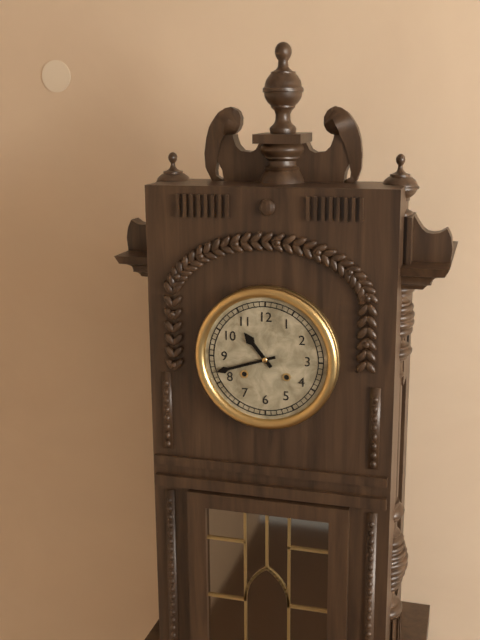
10:42
